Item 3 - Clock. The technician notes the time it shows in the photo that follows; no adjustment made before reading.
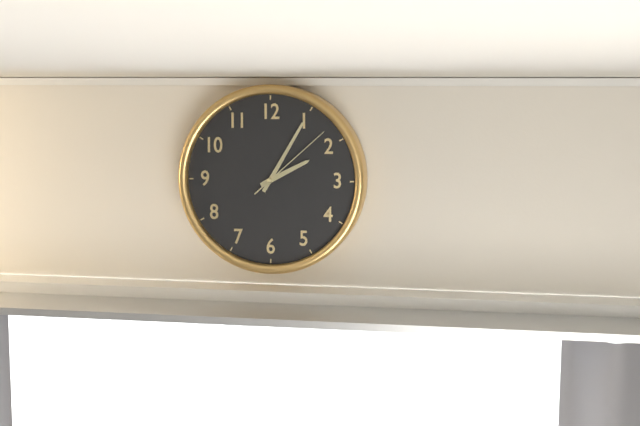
2:05:08
